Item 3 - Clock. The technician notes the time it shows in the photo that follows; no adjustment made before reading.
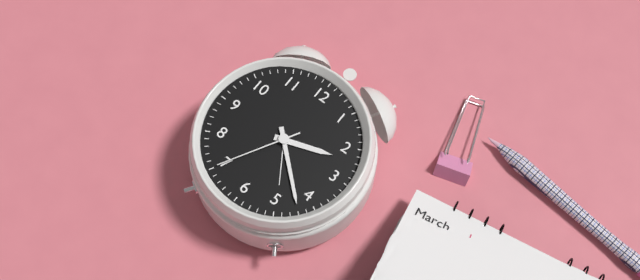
2:22:35
